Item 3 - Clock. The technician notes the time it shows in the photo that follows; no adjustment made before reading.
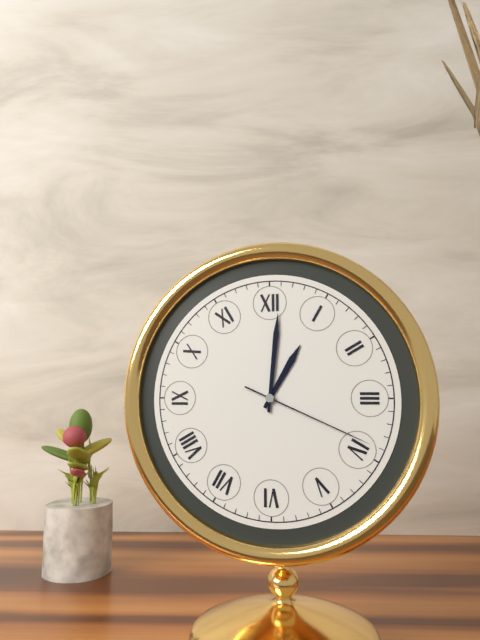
1:01:19
